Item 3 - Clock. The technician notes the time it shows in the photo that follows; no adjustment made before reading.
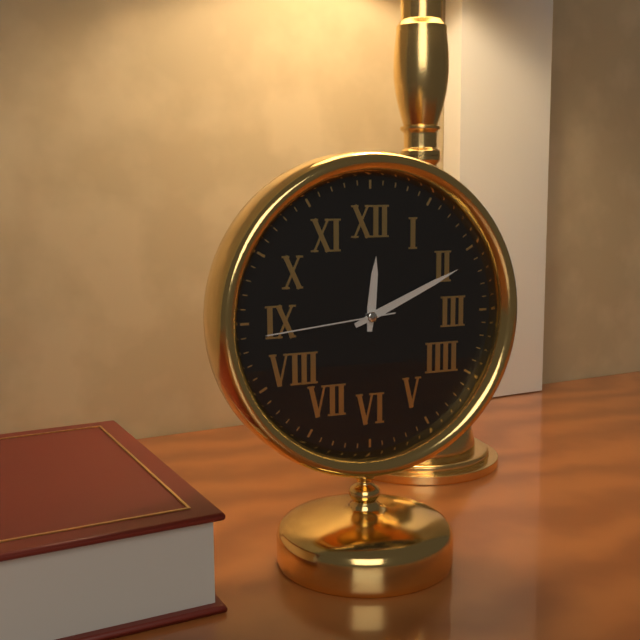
12:11:44
